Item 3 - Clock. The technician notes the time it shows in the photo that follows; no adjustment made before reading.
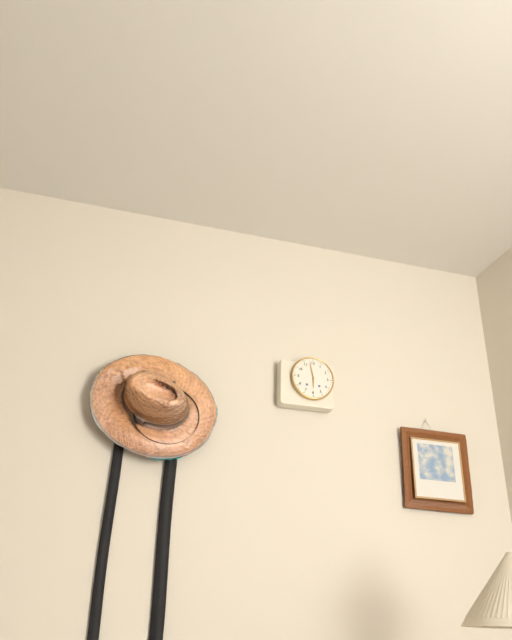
5:58
